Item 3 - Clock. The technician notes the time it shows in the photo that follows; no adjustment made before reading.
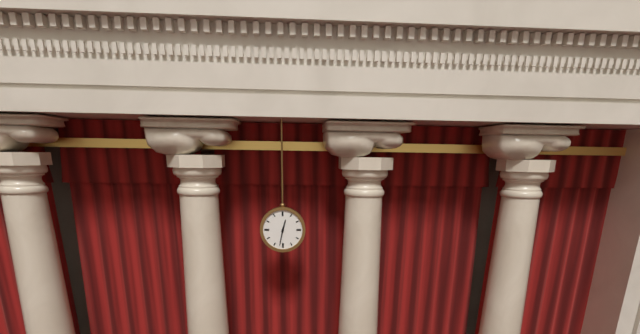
12:32
